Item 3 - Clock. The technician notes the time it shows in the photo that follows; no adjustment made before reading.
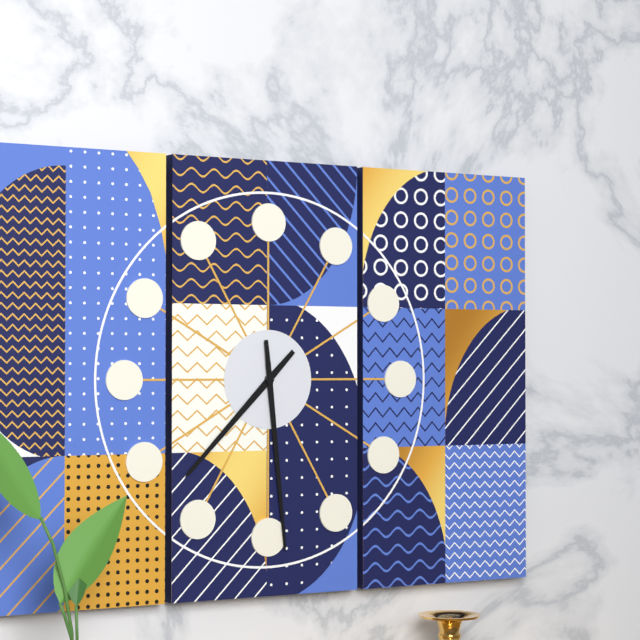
7:29
